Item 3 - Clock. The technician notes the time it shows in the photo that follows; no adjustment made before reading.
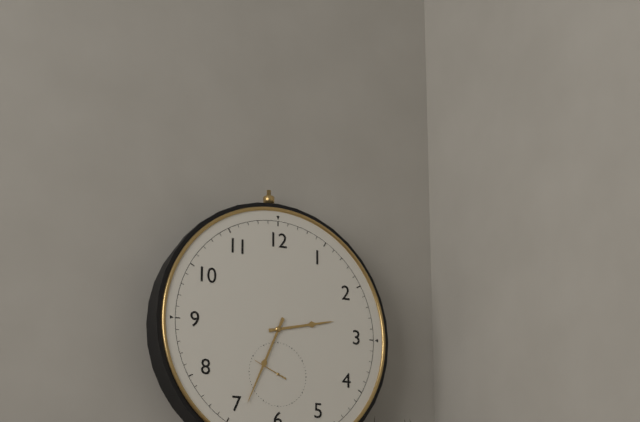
2:34
